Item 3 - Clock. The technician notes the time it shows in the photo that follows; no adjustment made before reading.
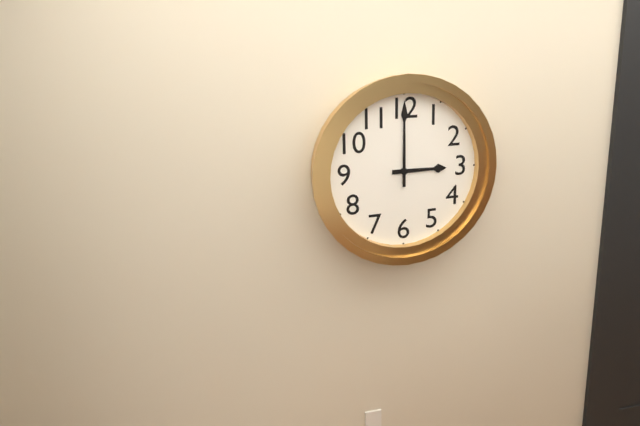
3:00
